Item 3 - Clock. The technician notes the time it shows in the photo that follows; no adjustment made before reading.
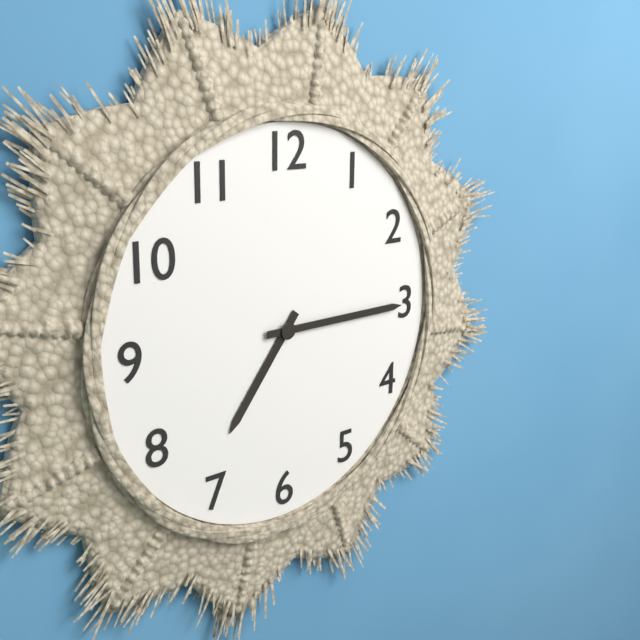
7:15
